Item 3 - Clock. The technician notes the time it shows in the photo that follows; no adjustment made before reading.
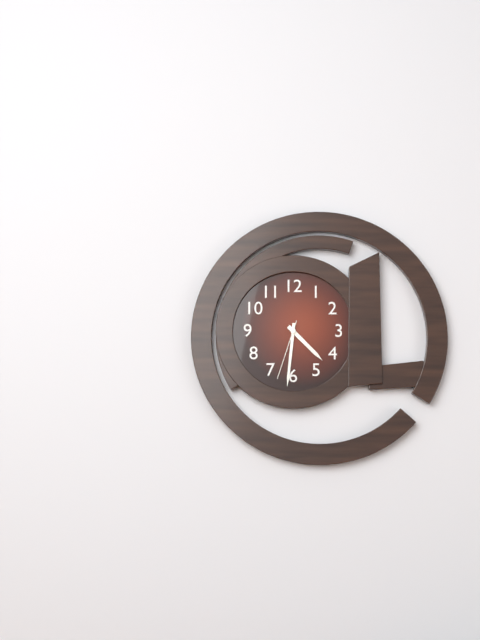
4:31:33
